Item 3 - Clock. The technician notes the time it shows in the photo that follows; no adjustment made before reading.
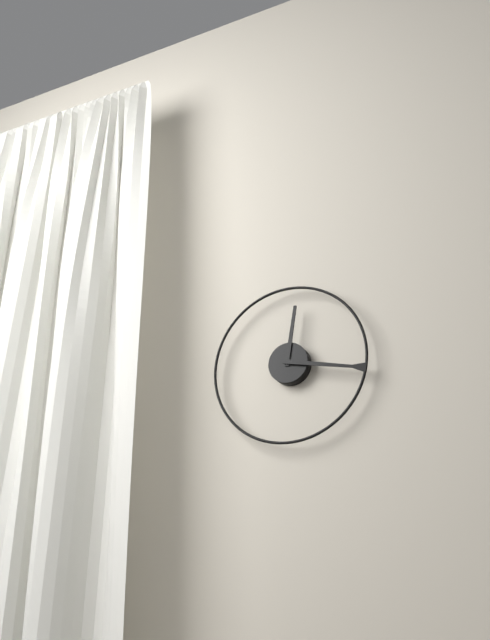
12:17
